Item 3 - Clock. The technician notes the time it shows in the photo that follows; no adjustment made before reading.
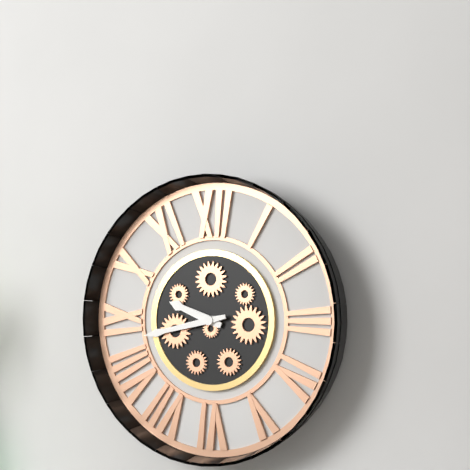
9:43
